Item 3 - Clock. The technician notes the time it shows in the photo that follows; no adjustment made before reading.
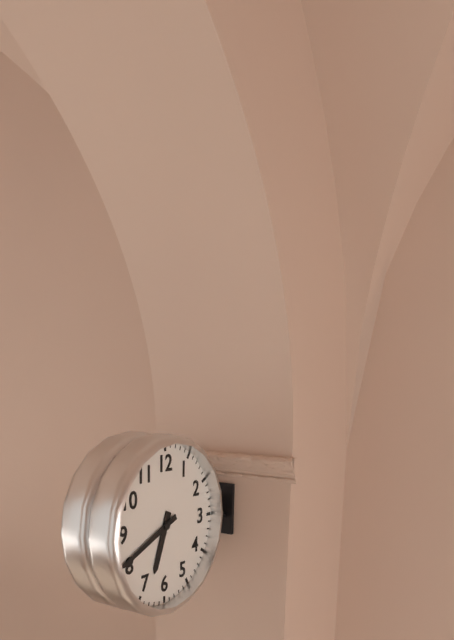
6:41
